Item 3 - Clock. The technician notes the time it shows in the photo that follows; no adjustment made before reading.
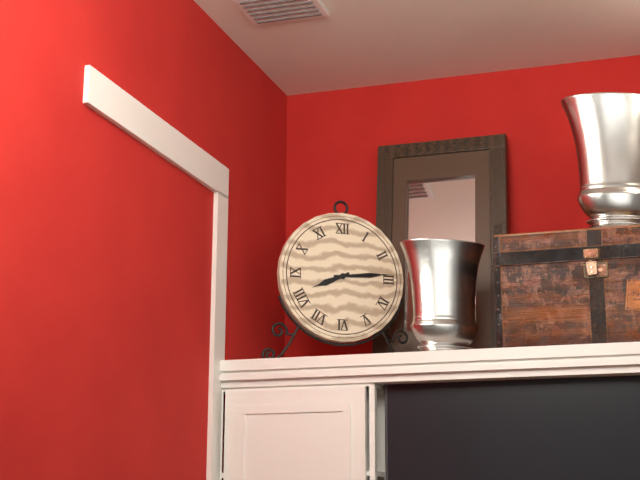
8:14
